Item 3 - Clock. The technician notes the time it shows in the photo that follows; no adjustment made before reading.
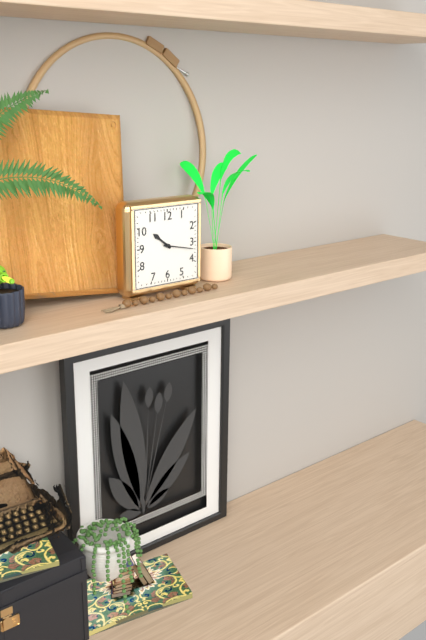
10:17
